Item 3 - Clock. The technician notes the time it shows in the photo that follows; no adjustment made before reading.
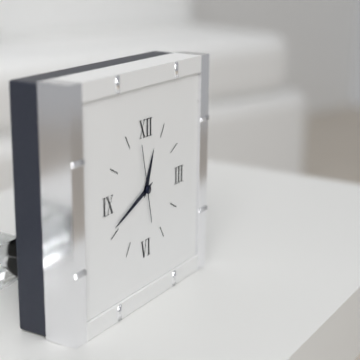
12:41:58
